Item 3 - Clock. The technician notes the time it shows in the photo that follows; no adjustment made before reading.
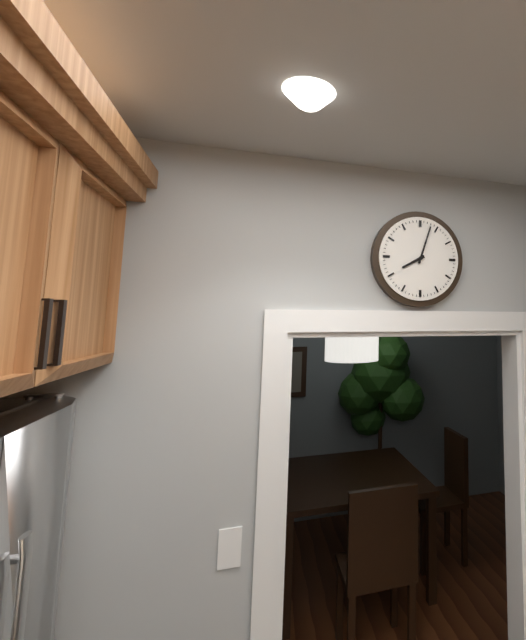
8:03
